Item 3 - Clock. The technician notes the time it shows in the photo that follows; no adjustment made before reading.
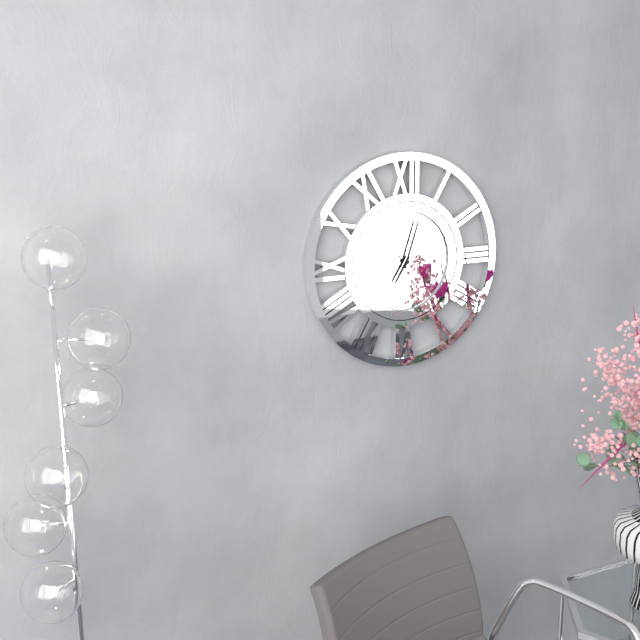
7:03
